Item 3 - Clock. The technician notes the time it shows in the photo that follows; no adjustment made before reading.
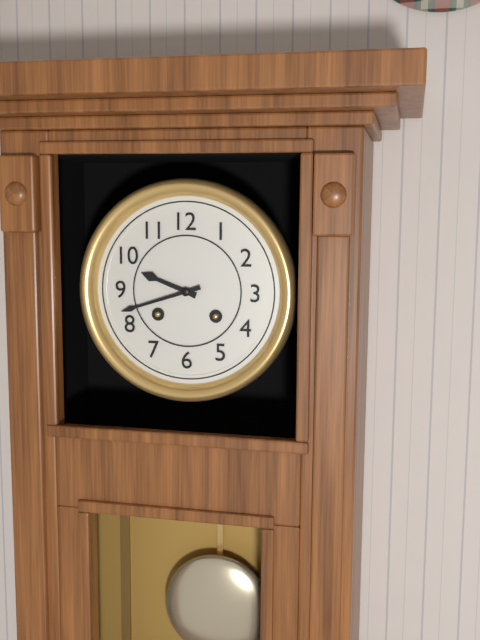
9:42
